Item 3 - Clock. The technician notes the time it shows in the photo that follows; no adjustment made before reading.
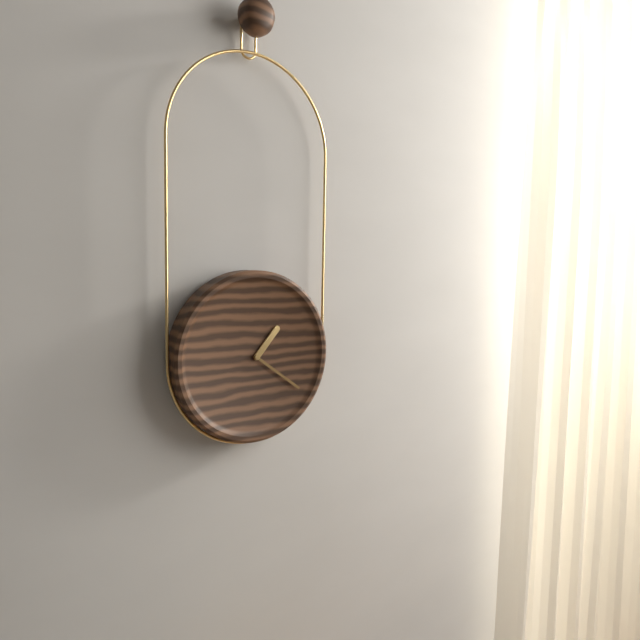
1:21
